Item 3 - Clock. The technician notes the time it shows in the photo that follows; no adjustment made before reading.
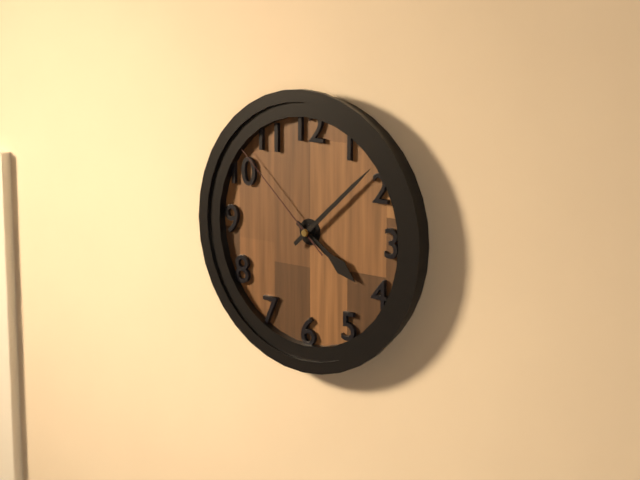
4:08:52
